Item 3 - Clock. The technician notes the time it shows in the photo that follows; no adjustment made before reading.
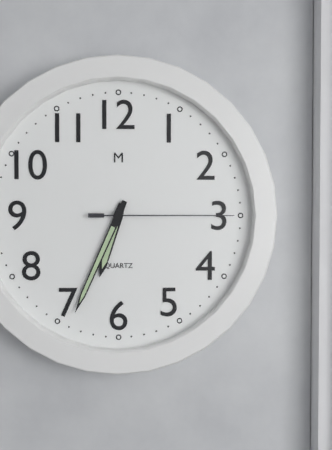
6:34:15
